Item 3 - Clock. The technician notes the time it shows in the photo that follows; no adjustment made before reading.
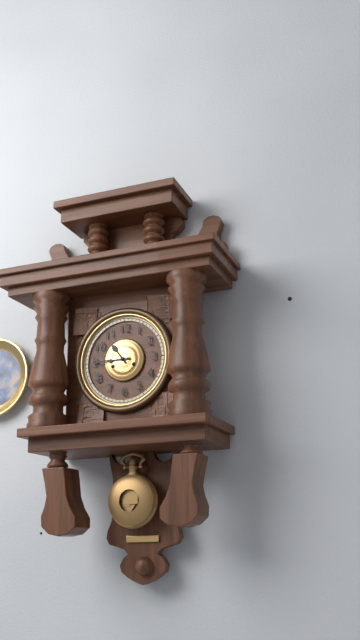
10:45
